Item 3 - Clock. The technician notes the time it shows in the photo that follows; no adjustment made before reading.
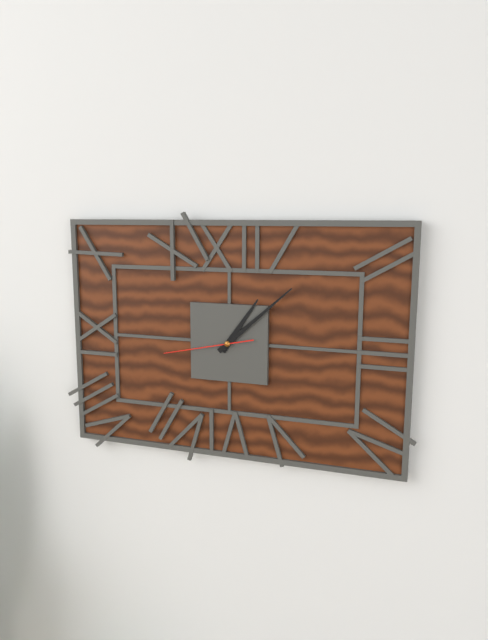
1:08:43
